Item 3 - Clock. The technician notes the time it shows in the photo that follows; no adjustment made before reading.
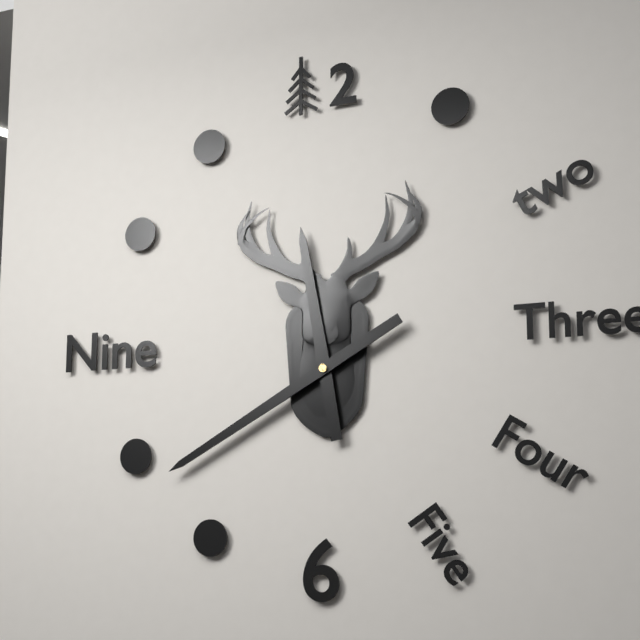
11:40
